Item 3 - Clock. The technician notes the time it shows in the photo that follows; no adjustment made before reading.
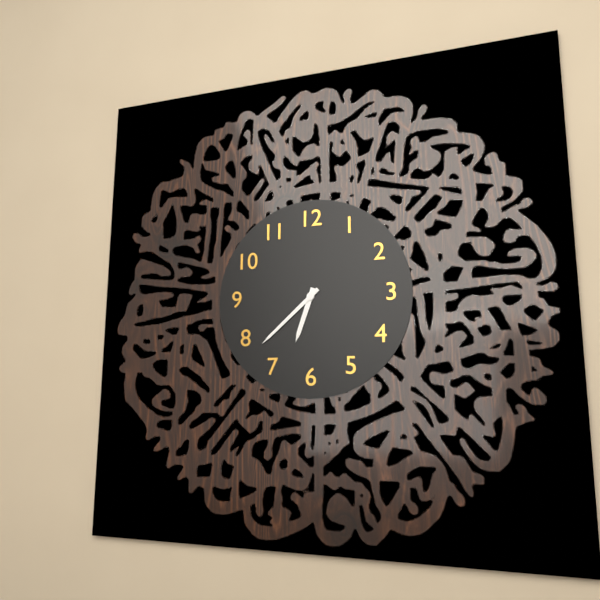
6:38
